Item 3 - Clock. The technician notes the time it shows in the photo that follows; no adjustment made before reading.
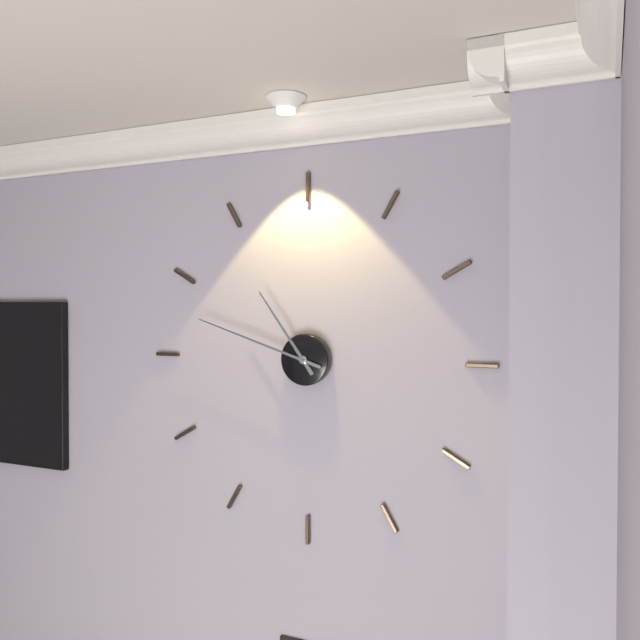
10:48
